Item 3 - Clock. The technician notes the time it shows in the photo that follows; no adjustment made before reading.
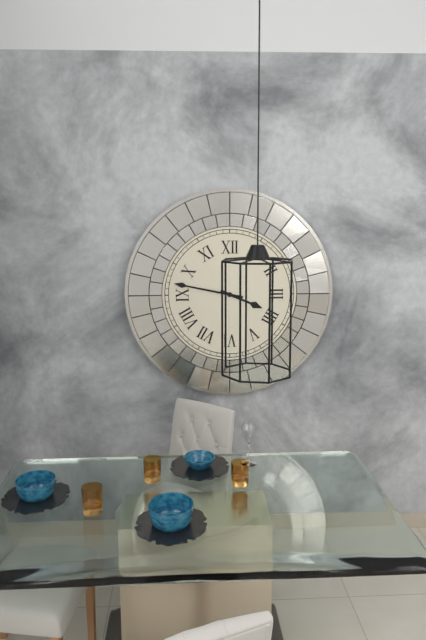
3:47
